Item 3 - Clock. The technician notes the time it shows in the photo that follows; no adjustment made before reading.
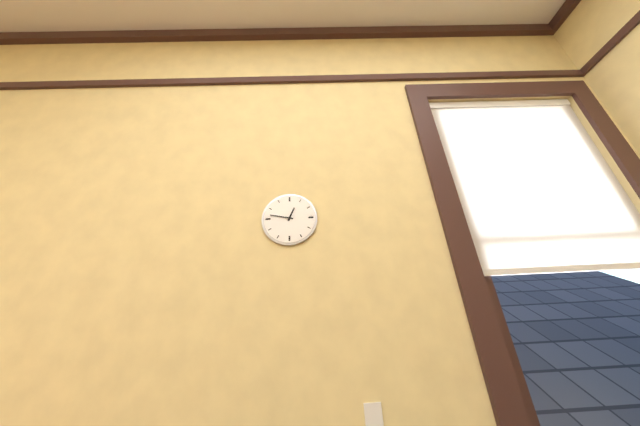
12:47
